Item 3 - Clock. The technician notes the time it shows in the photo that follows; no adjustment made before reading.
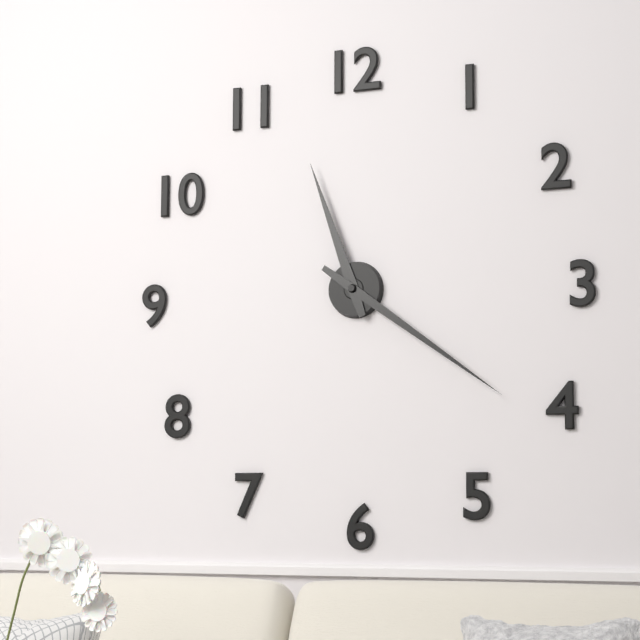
11:21
